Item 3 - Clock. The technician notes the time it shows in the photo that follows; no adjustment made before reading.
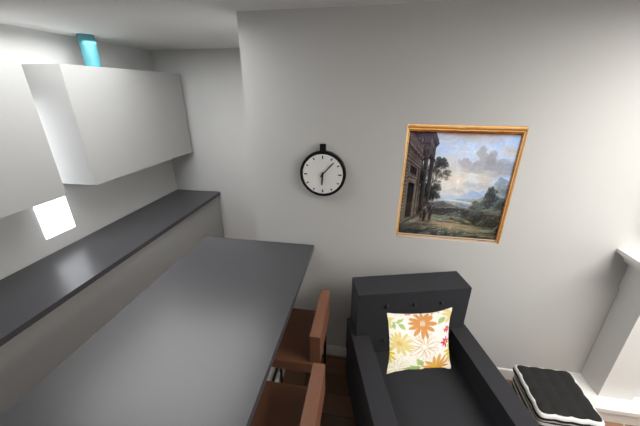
6:07
